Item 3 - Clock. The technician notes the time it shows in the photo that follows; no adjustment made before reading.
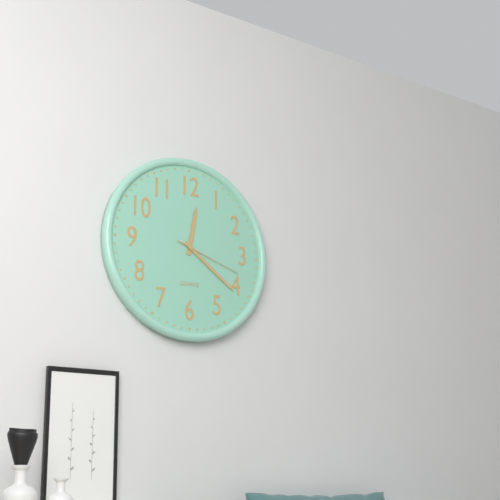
12:21:18
